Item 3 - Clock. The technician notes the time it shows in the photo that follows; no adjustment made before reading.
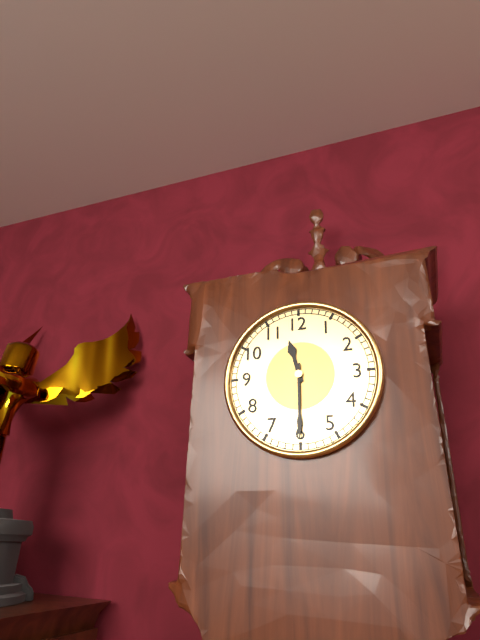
11:30
